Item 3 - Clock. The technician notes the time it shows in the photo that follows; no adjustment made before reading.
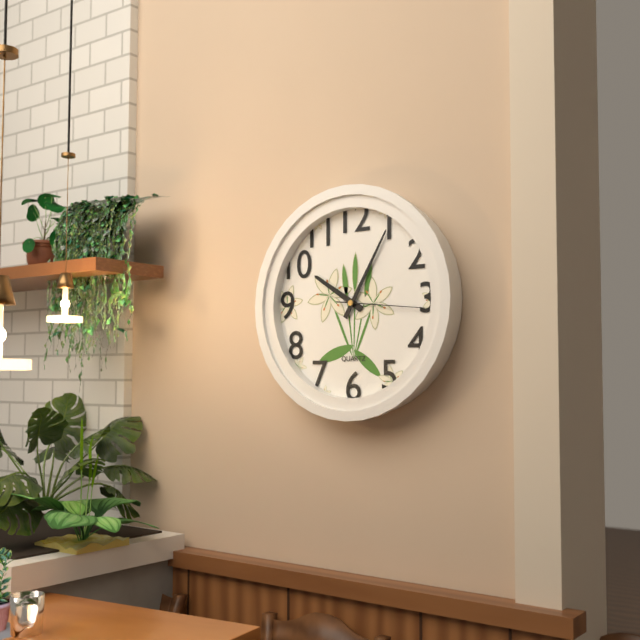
10:05:16
